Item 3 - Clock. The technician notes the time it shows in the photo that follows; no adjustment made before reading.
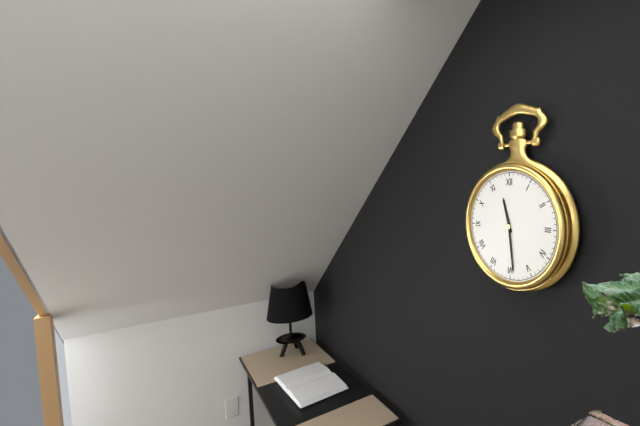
11:29
